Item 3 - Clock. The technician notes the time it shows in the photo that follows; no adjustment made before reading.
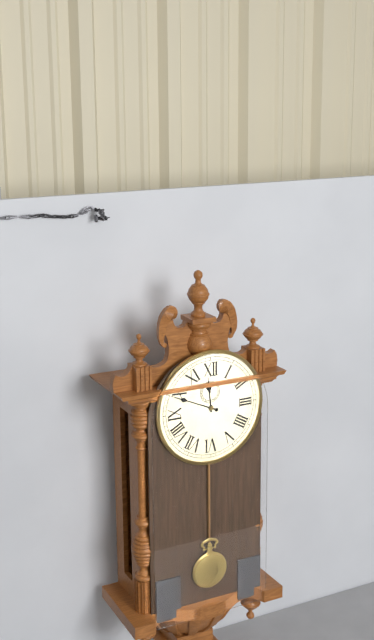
11:49
